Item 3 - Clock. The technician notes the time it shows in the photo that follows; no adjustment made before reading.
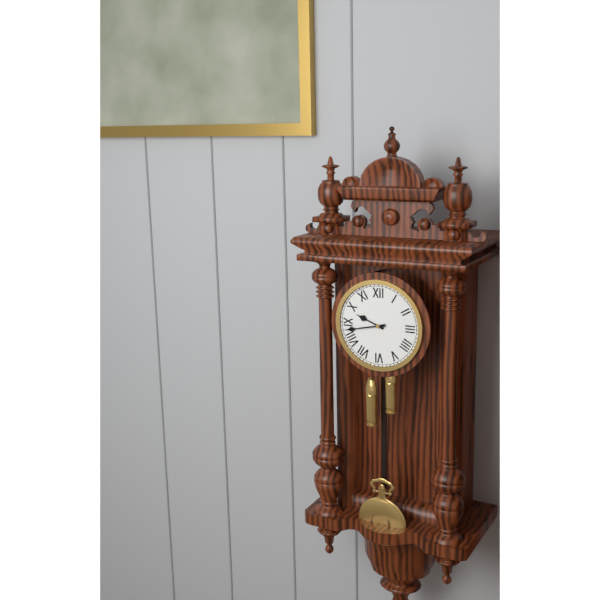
9:43
